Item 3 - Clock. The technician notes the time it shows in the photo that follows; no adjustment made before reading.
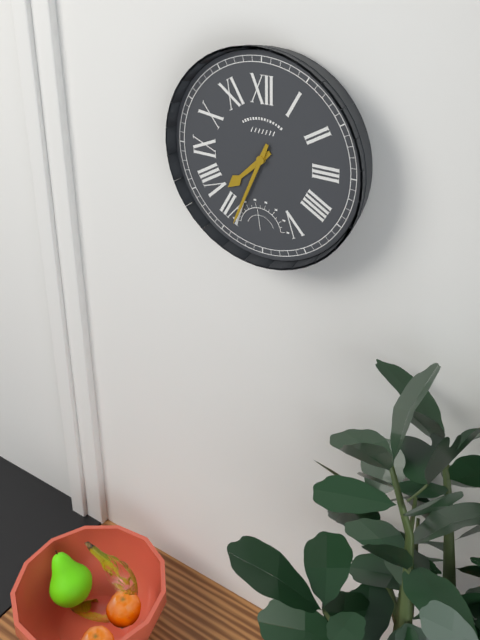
7:34
